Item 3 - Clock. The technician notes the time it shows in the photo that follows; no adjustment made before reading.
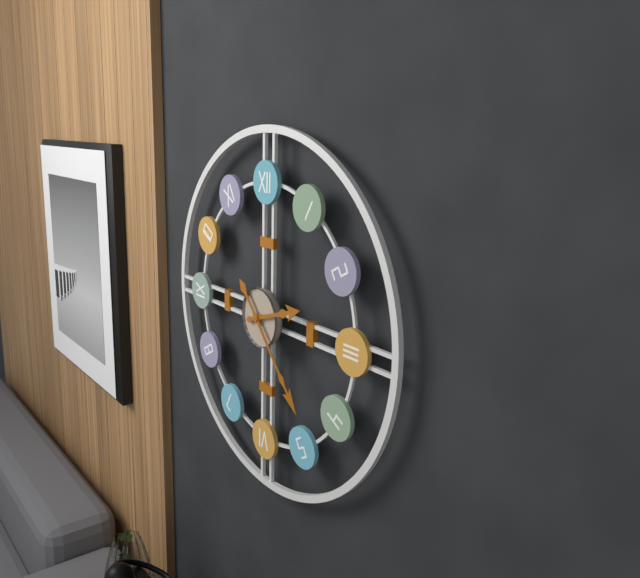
2:23
